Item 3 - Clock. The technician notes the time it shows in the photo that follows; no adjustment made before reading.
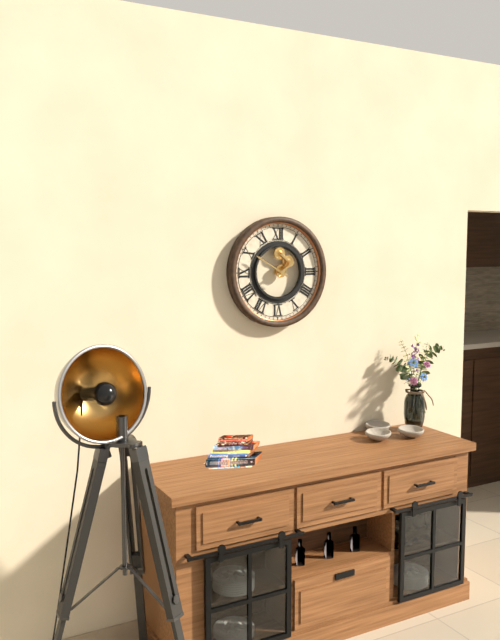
1:50
